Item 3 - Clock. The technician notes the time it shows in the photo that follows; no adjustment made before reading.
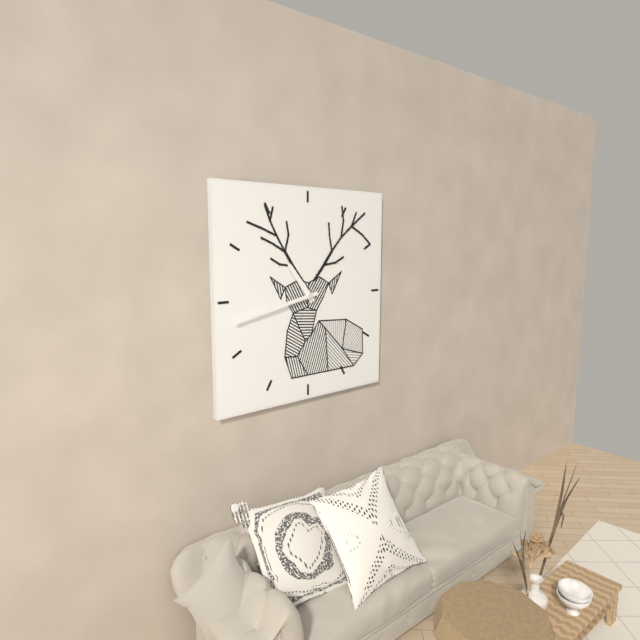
10:43
